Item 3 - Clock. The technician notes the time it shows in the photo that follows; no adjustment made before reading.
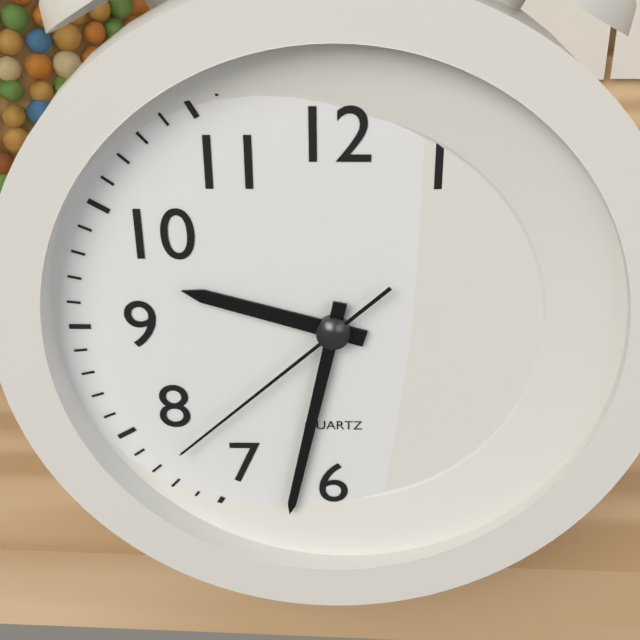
9:32:38
